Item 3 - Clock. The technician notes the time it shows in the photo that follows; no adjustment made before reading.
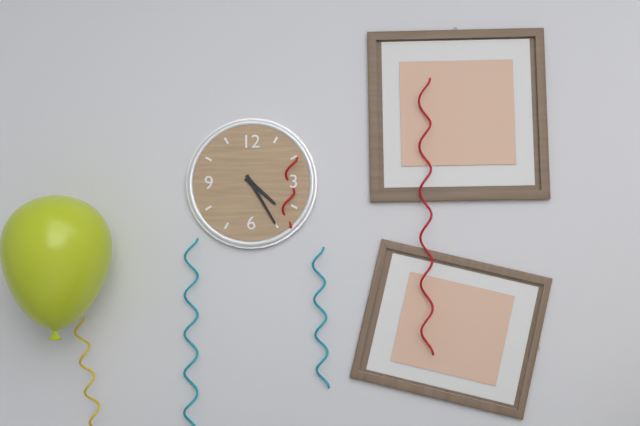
4:25
